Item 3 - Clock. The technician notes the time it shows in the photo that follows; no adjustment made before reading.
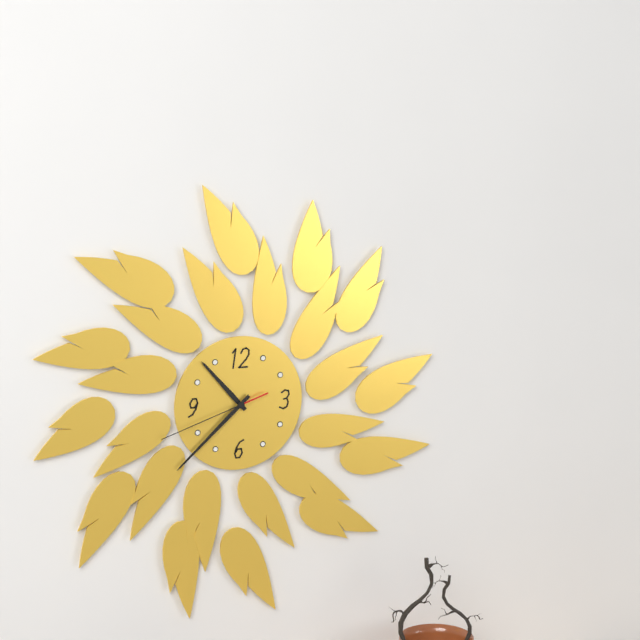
10:38:42
